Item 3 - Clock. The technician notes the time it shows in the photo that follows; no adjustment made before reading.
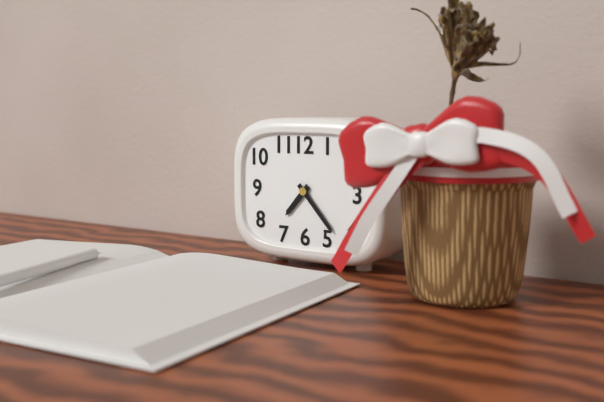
7:23
